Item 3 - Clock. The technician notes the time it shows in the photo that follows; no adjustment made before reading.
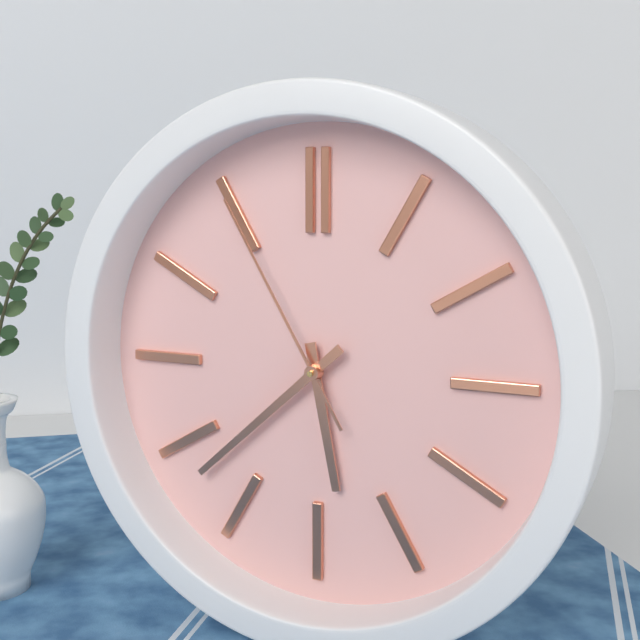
5:38:55
